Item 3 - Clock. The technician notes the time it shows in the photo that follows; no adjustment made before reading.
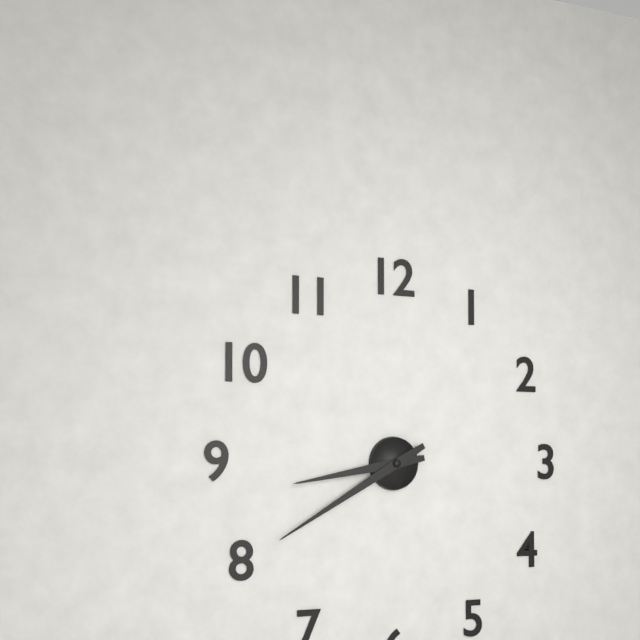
8:40
